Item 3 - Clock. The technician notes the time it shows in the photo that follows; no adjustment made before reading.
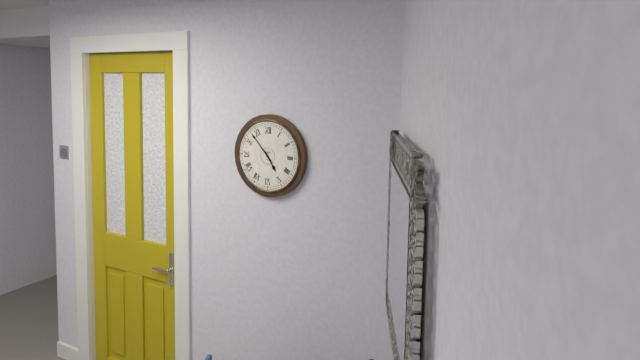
4:53
